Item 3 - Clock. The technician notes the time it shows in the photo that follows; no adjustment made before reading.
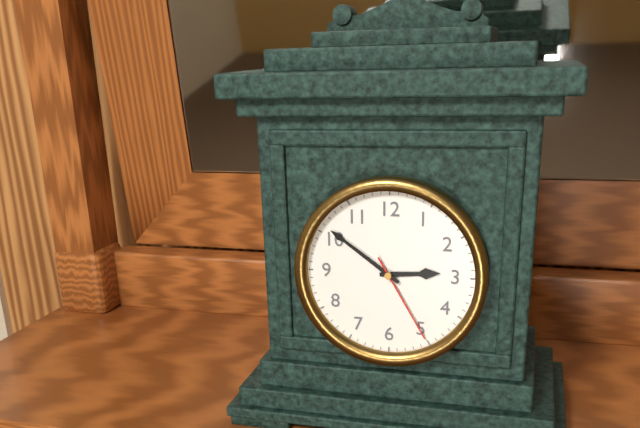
2:51:25
